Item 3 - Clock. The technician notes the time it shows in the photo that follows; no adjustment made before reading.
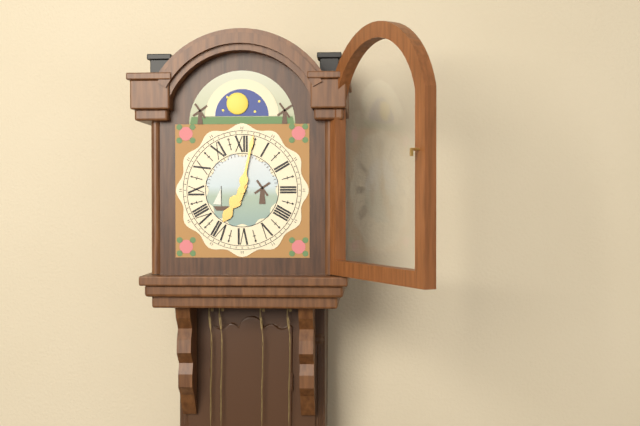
7:02
